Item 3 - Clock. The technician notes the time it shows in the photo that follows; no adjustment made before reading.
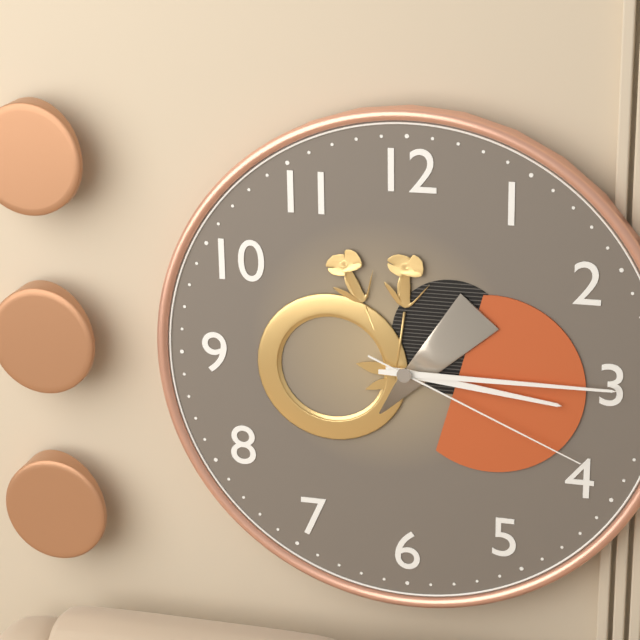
3:15:19
